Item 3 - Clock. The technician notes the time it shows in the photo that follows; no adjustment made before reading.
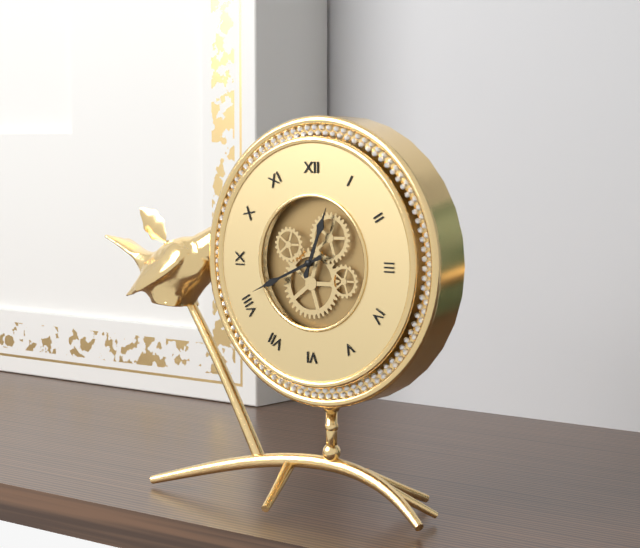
12:41
